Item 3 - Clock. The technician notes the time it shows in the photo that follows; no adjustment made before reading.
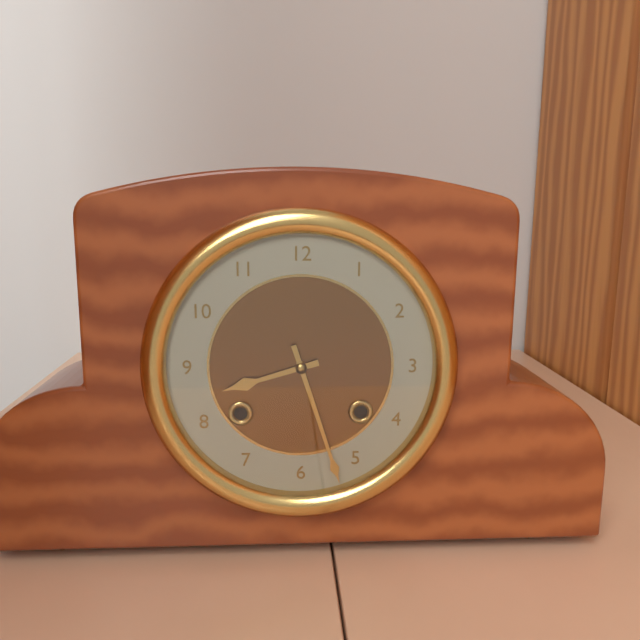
8:27
